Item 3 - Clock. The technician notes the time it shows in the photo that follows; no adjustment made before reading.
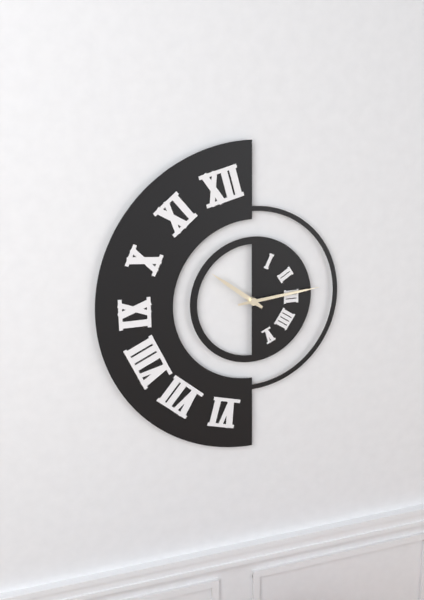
10:14
